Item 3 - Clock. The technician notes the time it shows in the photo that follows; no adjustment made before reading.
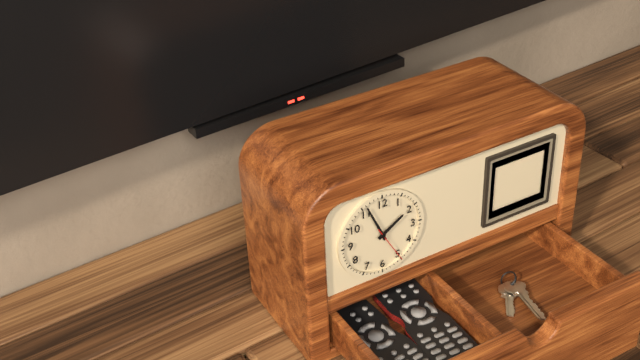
1:56
